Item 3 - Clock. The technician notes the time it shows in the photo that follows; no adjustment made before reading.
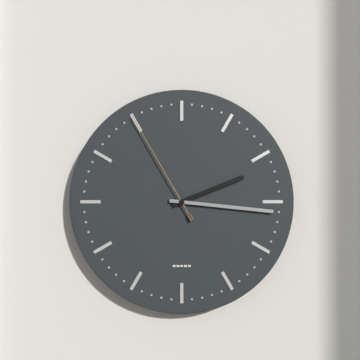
2:16:55
